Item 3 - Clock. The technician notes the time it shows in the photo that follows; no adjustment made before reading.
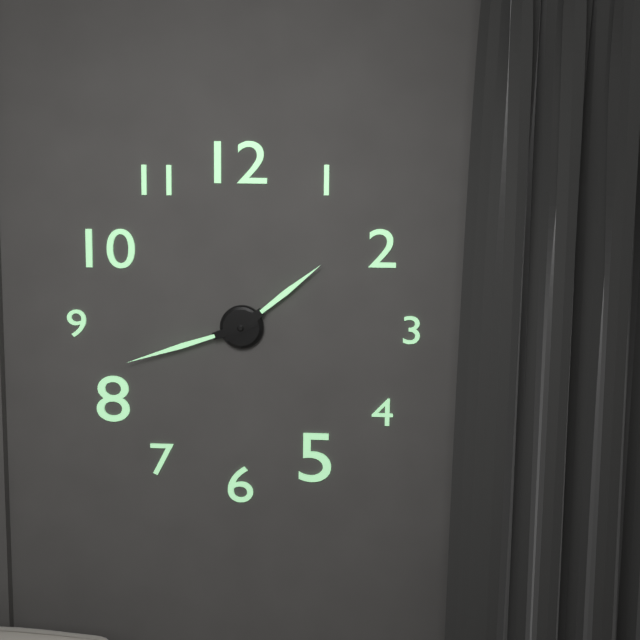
1:42
